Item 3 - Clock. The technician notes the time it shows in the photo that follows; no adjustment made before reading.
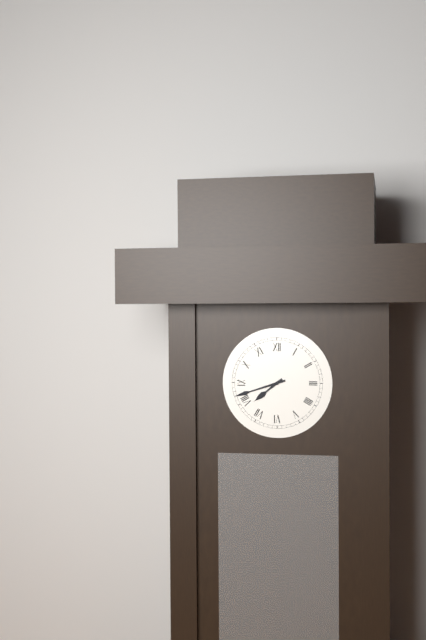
7:42
